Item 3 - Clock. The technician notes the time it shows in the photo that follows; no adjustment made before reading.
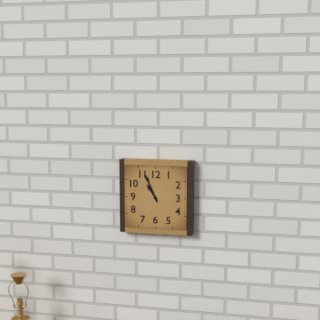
10:56
